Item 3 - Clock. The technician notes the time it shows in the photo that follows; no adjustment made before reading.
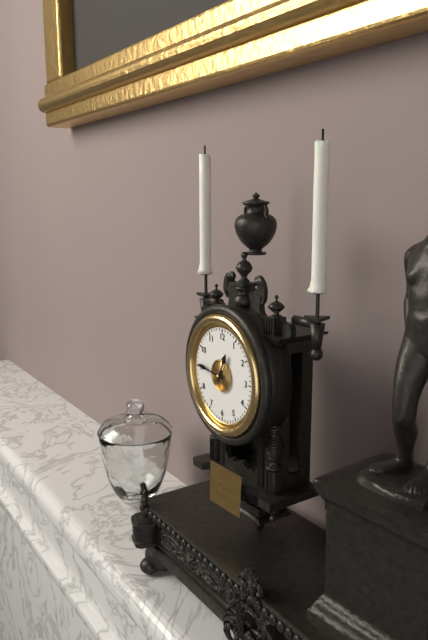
12:46
